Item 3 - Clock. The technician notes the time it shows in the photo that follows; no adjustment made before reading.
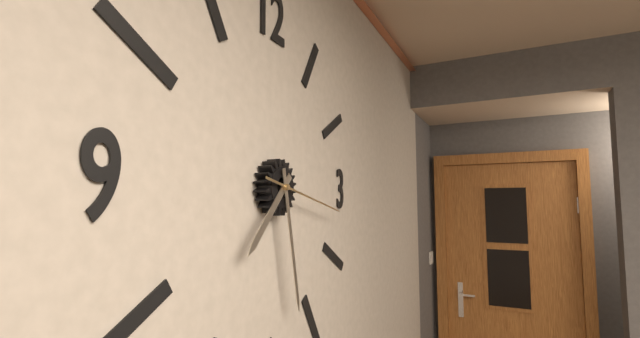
7:28:17
